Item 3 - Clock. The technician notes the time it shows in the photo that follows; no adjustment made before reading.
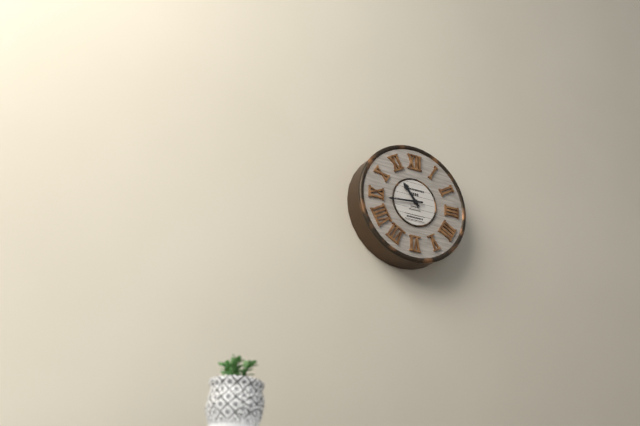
10:44
